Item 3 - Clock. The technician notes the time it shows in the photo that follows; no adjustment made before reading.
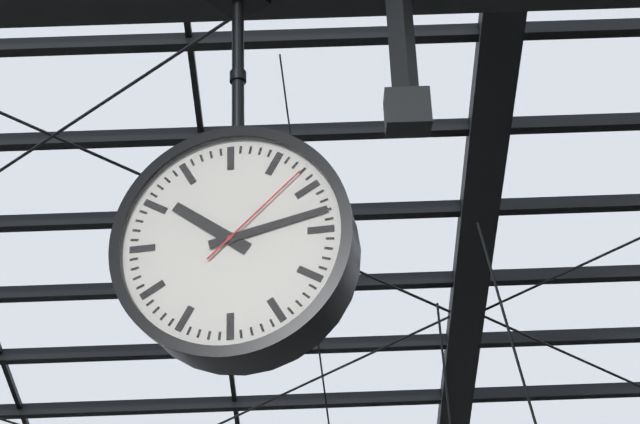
10:13:08
